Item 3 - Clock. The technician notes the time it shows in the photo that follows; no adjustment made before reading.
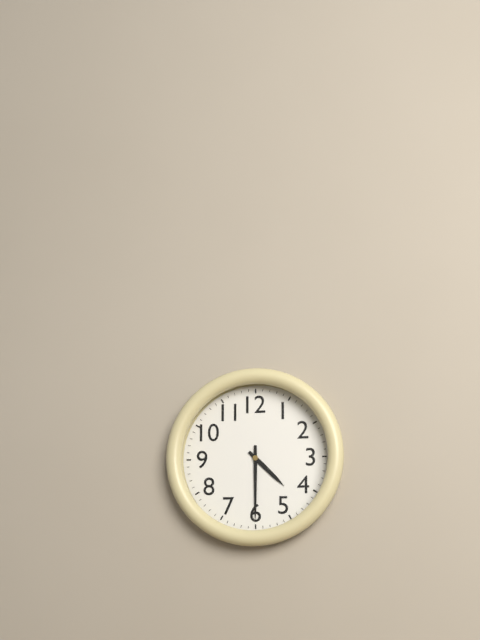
4:30
